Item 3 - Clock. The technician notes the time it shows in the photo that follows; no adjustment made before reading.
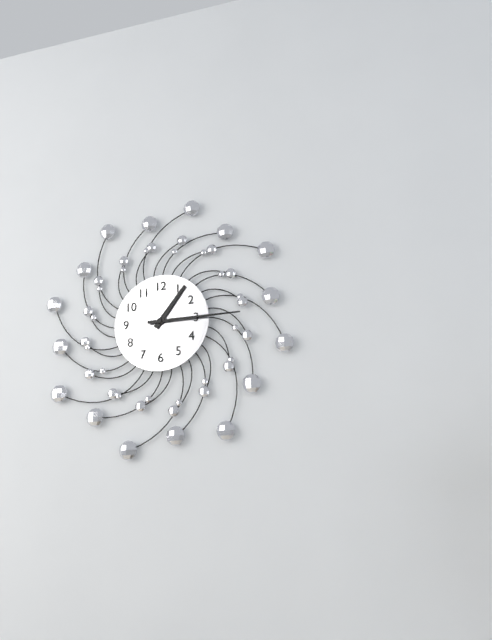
1:15
